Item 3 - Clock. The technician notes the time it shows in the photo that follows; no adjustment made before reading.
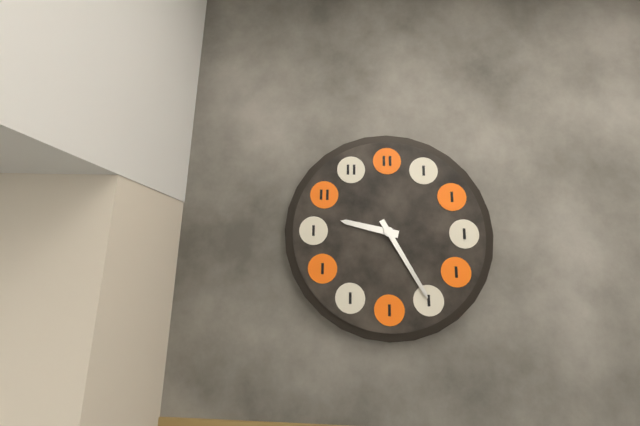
9:25
